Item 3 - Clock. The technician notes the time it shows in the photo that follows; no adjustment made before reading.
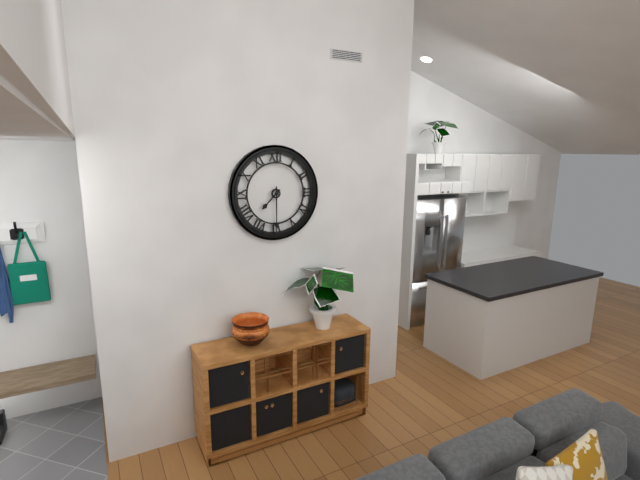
7:30
